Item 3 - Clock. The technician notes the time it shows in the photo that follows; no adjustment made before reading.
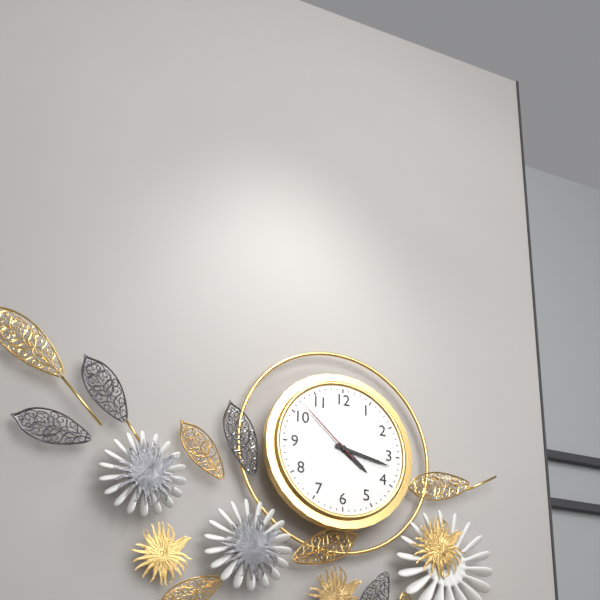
4:17:52
